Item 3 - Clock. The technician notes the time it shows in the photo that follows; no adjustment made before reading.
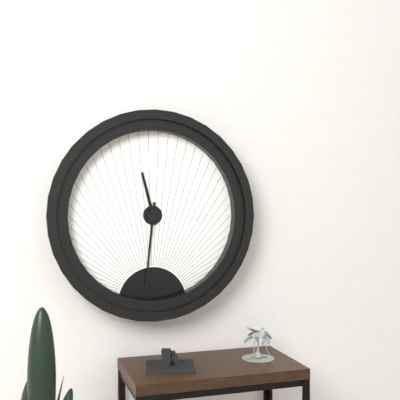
11:31
